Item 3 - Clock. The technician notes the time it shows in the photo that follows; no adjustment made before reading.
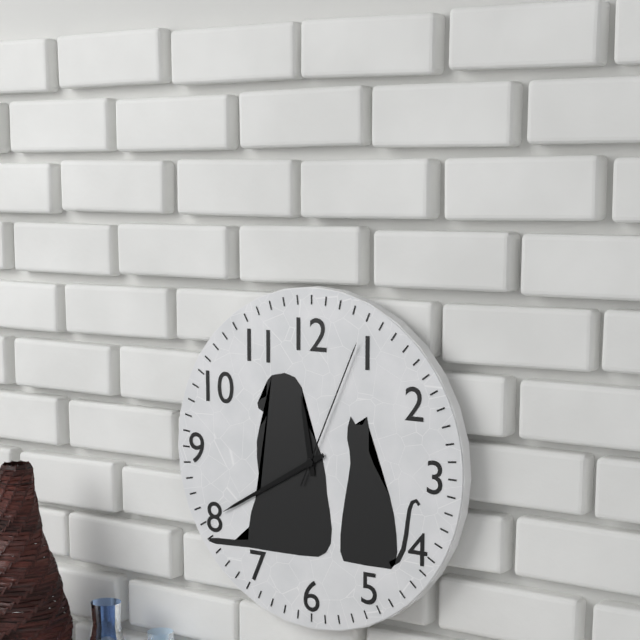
11:40:04
